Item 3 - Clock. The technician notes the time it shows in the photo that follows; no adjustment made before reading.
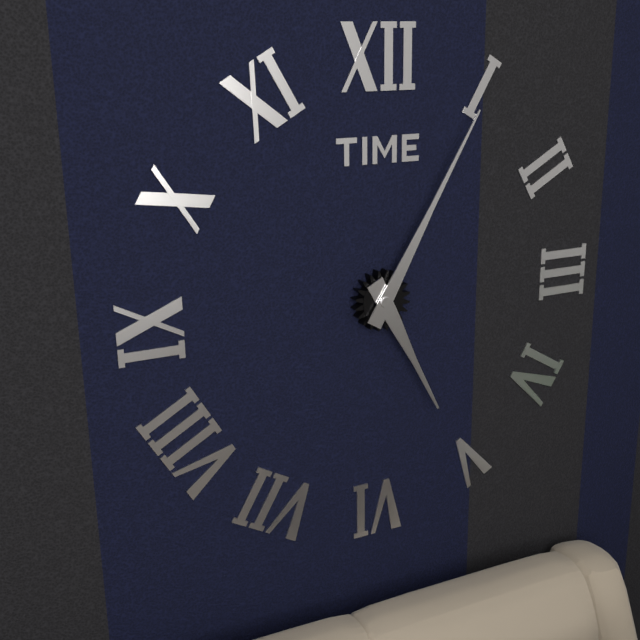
5:05
